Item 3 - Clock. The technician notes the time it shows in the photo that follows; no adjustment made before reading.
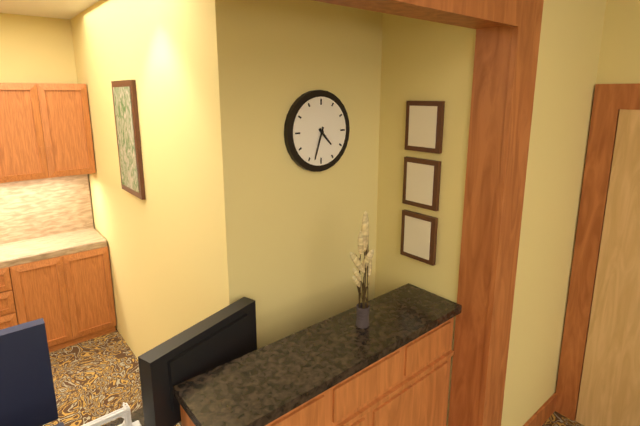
4:33
